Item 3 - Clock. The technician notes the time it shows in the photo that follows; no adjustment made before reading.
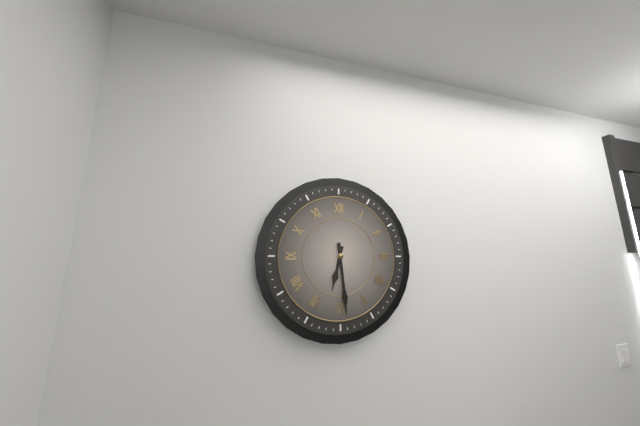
6:29
